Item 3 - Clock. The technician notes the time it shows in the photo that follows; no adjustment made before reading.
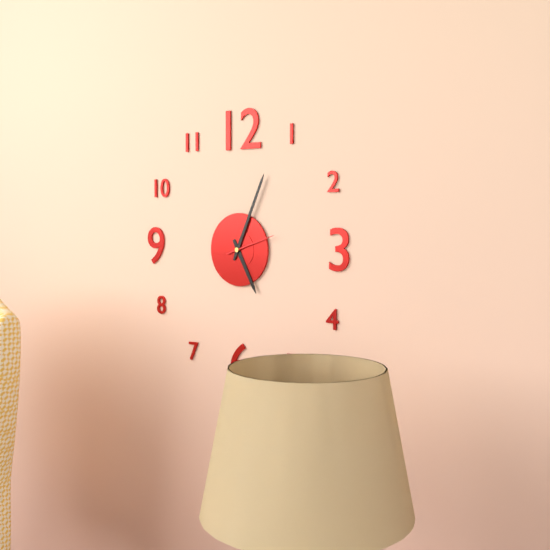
5:04:12
